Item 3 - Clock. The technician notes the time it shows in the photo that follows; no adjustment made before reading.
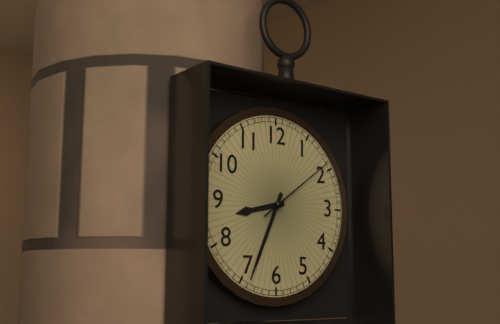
8:34:09
